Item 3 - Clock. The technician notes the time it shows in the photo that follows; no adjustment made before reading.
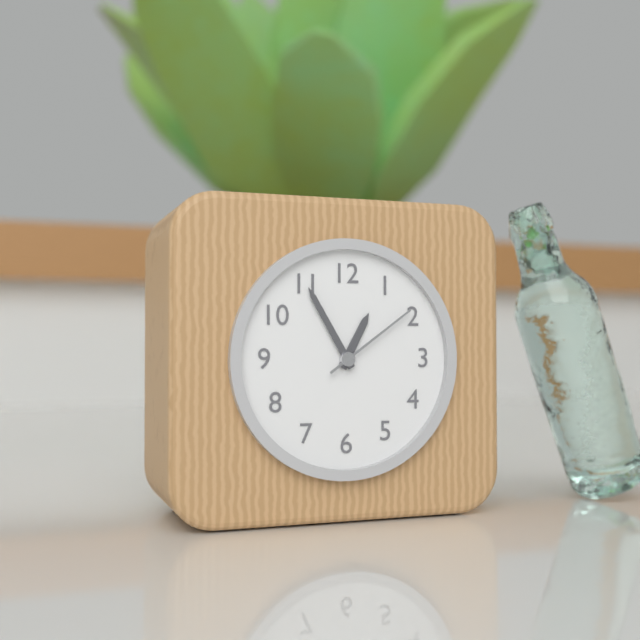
12:55:09
